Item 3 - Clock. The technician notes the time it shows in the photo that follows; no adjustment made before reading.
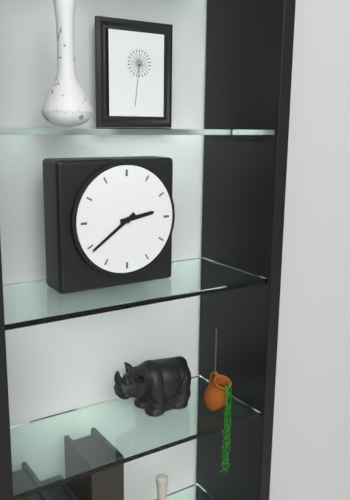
2:39
